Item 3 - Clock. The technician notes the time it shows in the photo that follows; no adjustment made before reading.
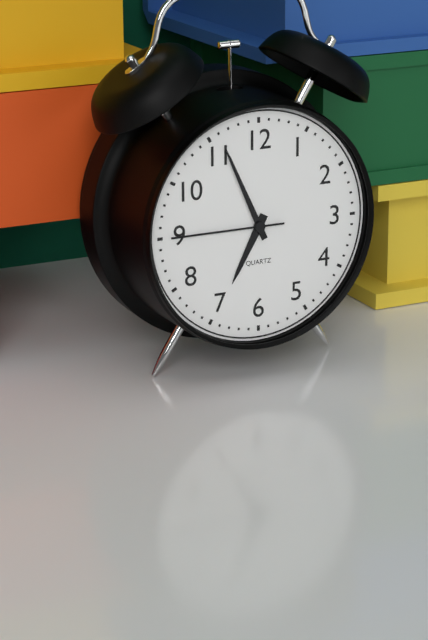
6:56:45
